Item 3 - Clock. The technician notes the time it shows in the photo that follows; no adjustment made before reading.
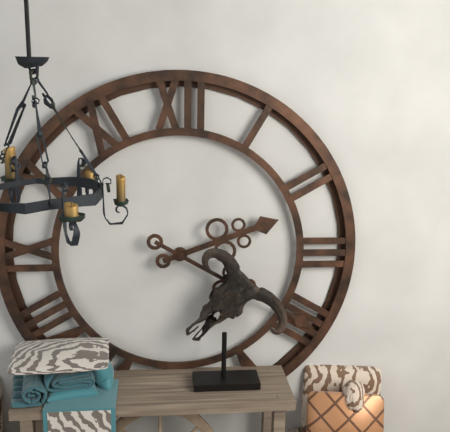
2:20
